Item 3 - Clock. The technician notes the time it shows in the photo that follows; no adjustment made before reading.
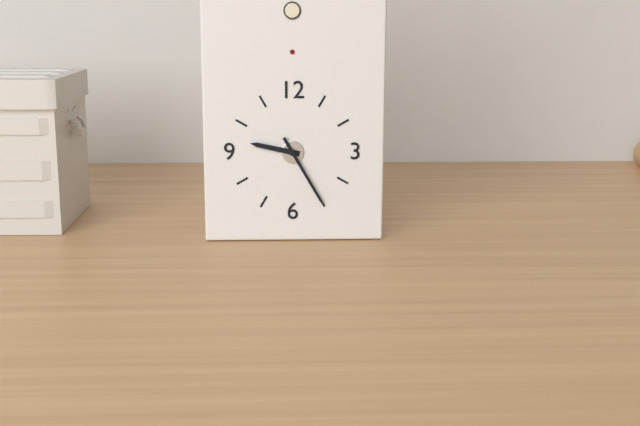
9:25
